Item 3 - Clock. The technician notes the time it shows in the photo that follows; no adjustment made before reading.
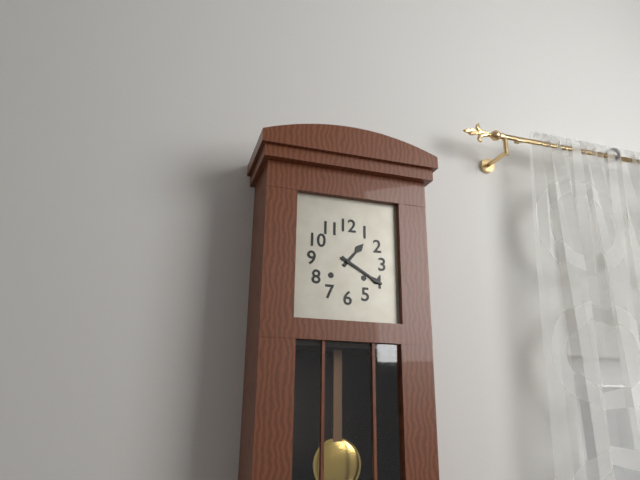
1:20
